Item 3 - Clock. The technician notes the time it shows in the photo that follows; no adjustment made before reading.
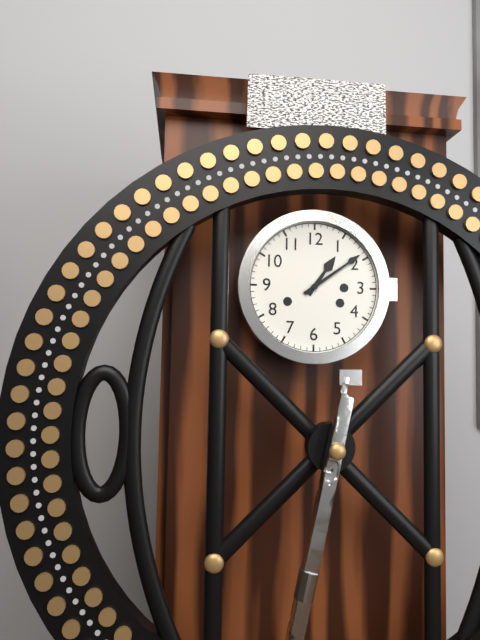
1:09
